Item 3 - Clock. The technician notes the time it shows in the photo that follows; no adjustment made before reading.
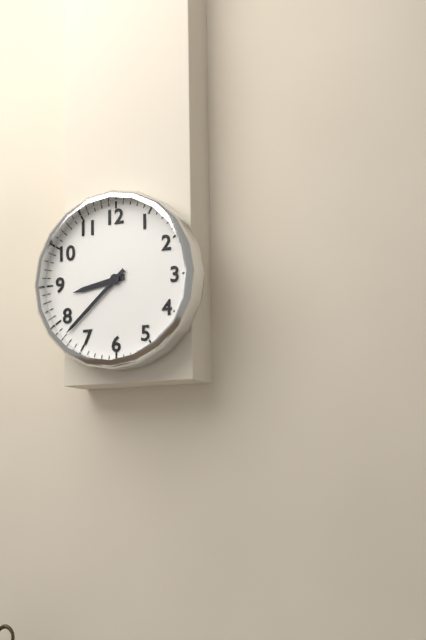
8:38
